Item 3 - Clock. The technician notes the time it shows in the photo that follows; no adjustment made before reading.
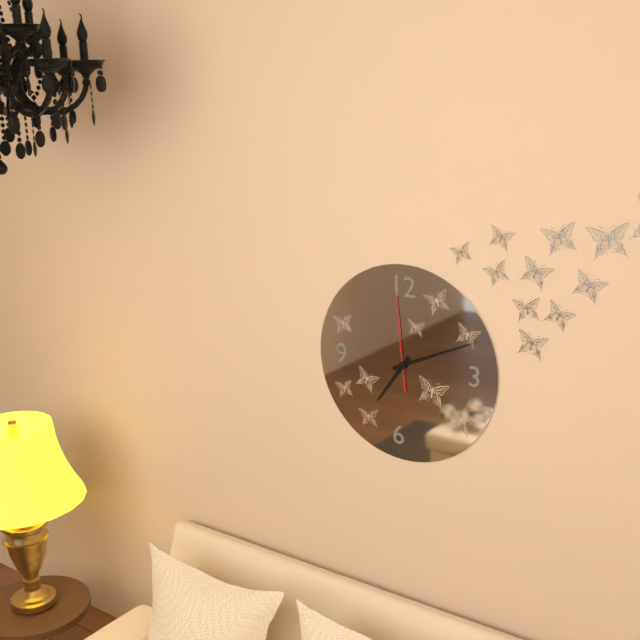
7:11:59
